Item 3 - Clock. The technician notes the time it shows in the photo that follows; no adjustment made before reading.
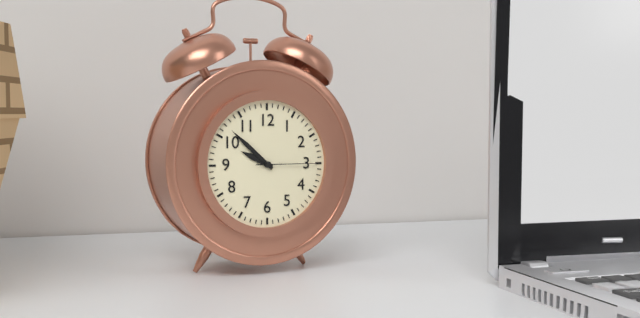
9:52:15
